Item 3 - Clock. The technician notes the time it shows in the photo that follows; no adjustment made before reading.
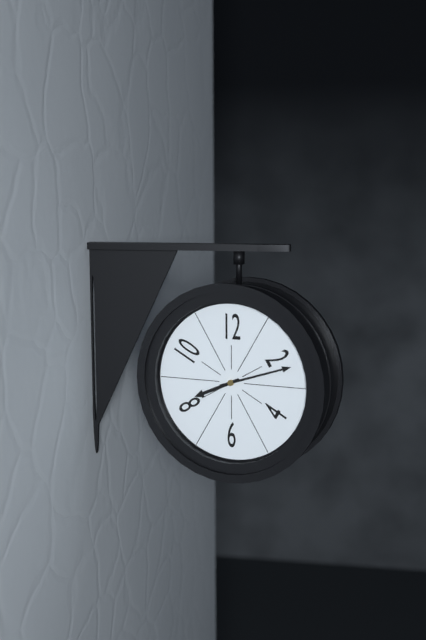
8:12
